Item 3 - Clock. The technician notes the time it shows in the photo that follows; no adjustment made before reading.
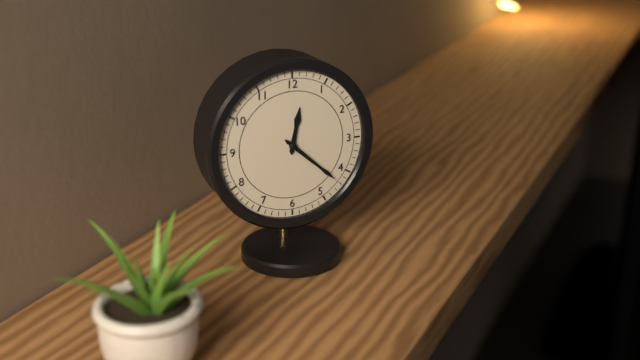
12:22
